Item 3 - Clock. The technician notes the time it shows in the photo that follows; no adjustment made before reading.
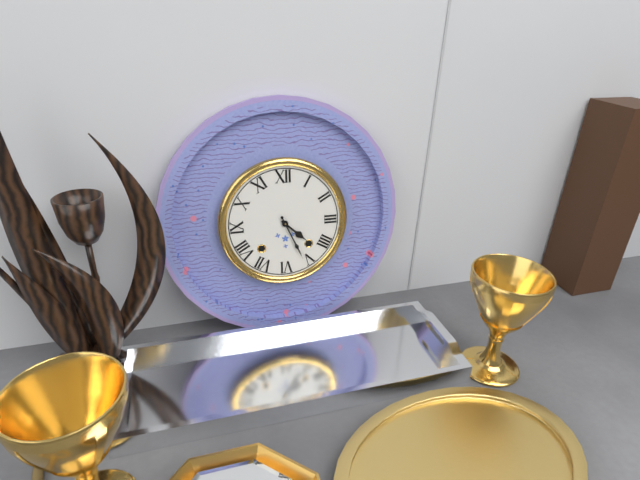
4:26
